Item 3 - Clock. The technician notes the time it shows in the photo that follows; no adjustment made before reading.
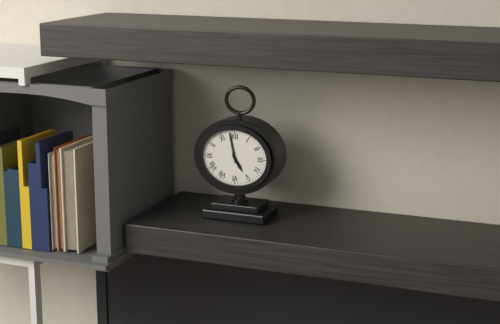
4:58
